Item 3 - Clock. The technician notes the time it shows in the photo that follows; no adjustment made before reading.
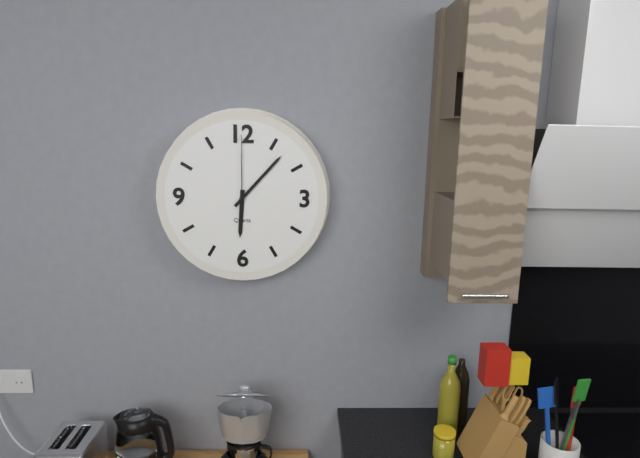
6:07:00
